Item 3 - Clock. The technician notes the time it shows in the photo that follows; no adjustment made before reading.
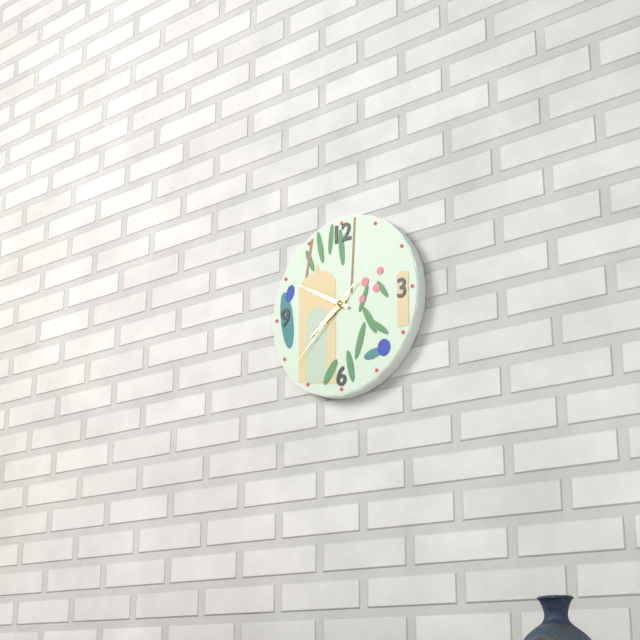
7:50:38
